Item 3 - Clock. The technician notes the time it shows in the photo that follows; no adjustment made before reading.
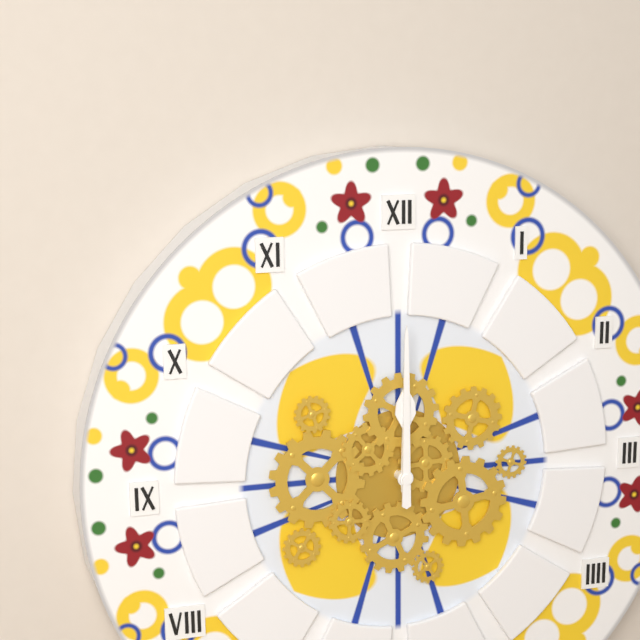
12:00
